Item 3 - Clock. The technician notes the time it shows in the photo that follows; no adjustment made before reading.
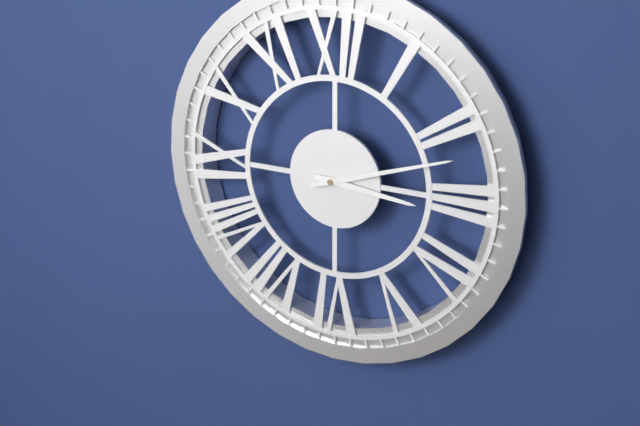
3:12
